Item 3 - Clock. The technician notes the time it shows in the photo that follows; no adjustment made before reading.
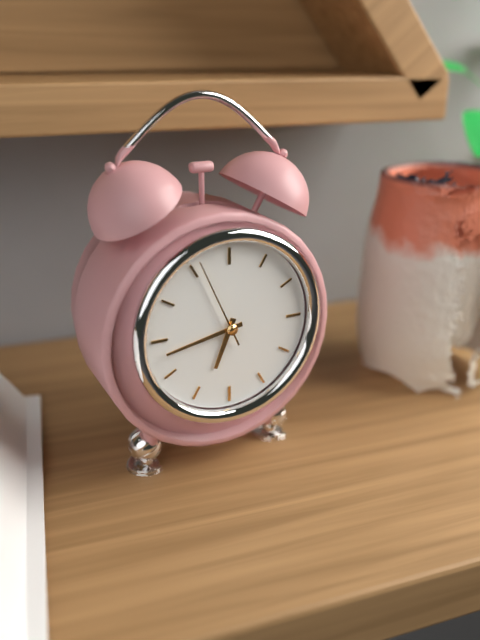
6:43:56
